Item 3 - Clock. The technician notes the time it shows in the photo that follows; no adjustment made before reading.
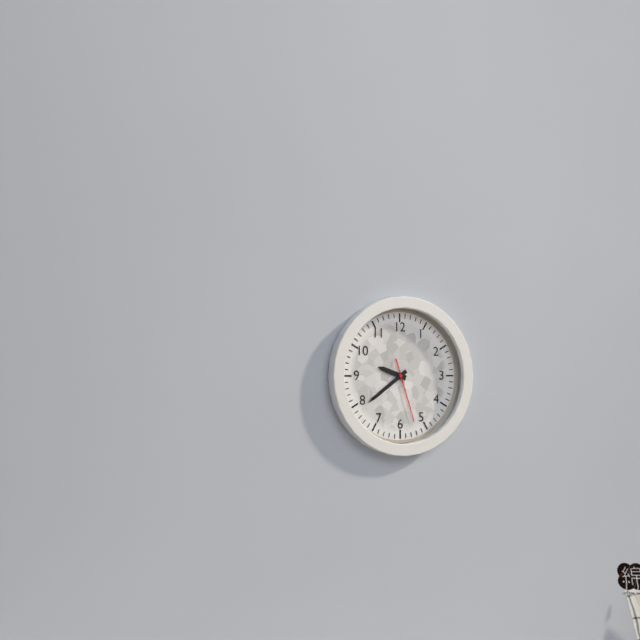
9:39:27
